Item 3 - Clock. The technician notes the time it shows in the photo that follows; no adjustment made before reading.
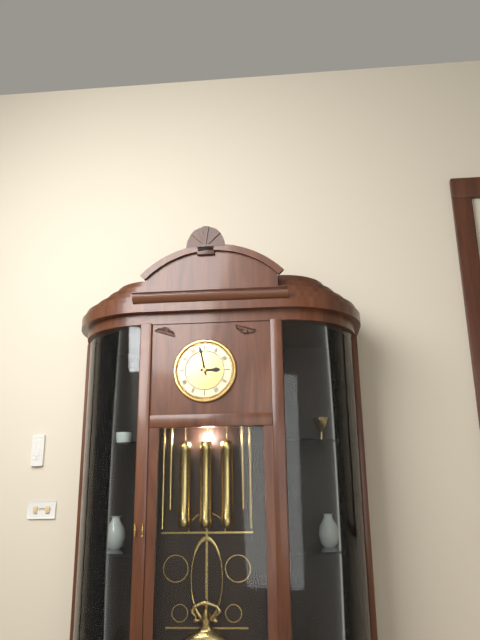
2:58
